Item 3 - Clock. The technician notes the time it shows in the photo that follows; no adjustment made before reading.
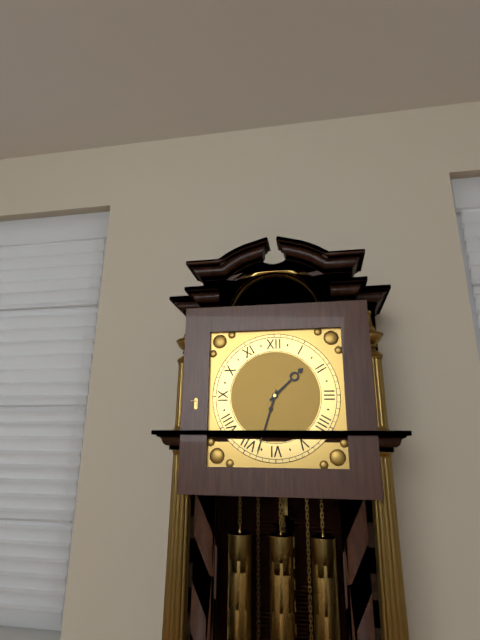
1:33
